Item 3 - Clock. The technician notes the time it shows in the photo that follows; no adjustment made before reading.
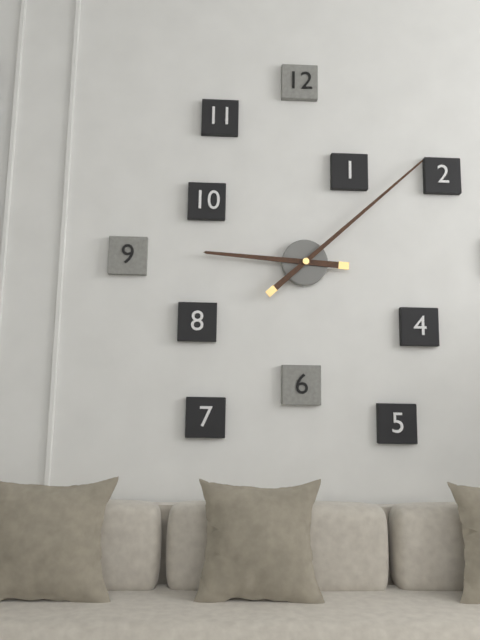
9:08
